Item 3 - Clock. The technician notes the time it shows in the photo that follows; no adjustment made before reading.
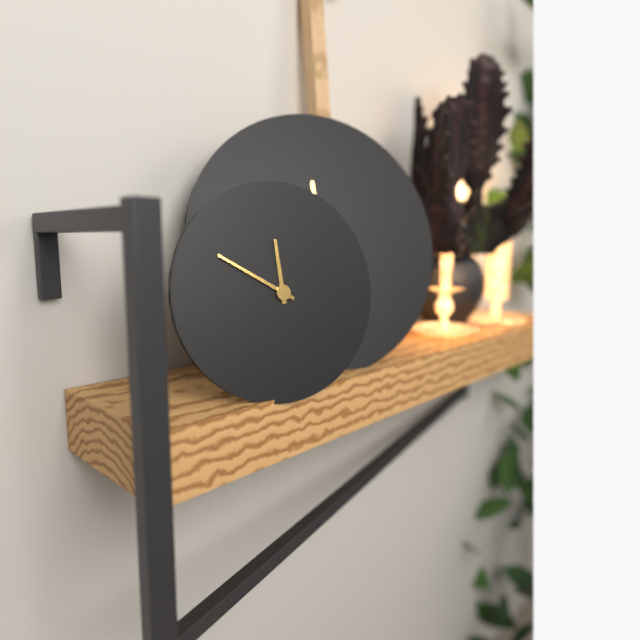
11:50
